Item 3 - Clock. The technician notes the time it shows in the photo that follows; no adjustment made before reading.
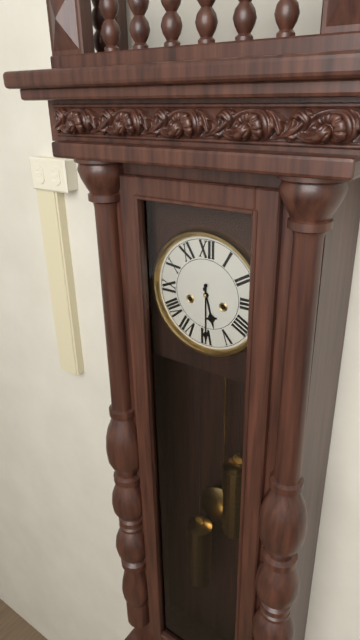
5:30
